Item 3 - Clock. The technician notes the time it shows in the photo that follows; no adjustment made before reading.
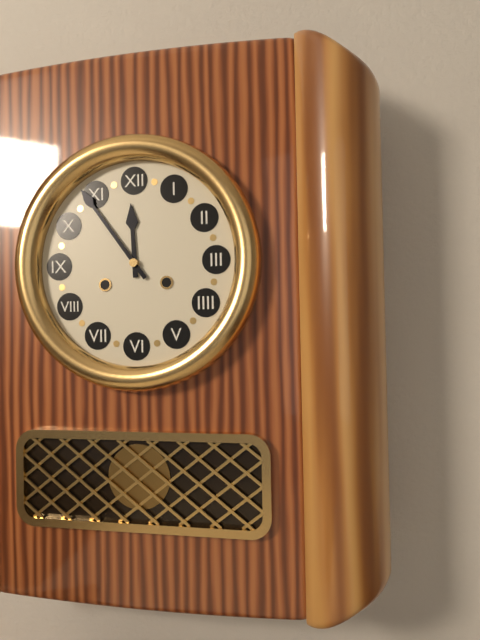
11:54
